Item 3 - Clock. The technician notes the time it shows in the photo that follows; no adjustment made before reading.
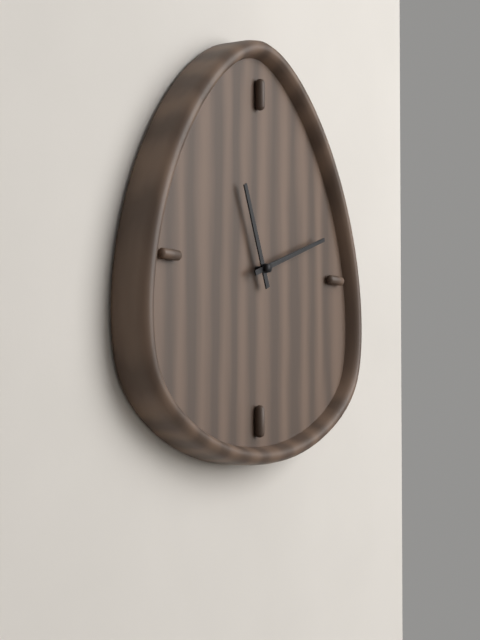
11:12
